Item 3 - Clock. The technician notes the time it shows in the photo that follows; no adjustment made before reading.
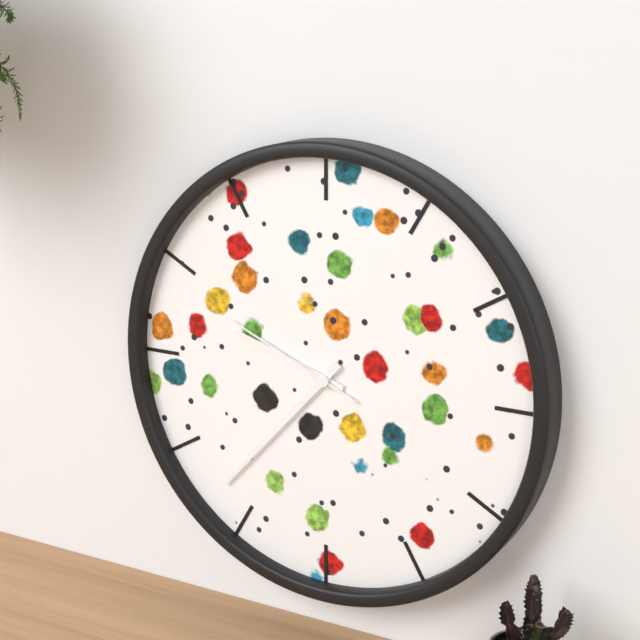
9:37:49
